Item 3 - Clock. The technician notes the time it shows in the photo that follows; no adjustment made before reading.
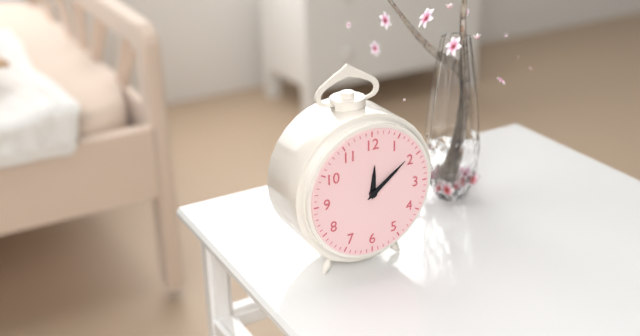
12:09
